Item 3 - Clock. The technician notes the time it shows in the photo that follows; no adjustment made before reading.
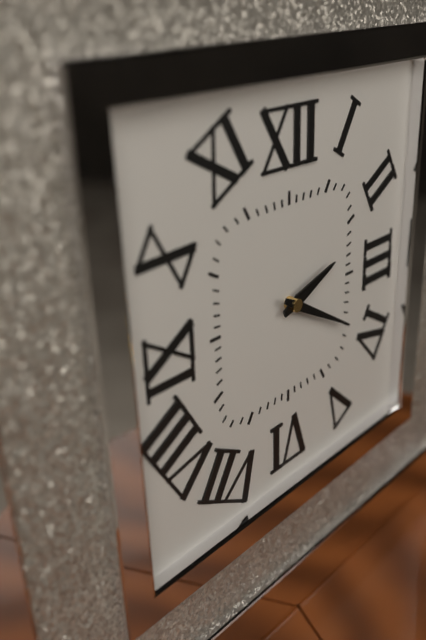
2:20
